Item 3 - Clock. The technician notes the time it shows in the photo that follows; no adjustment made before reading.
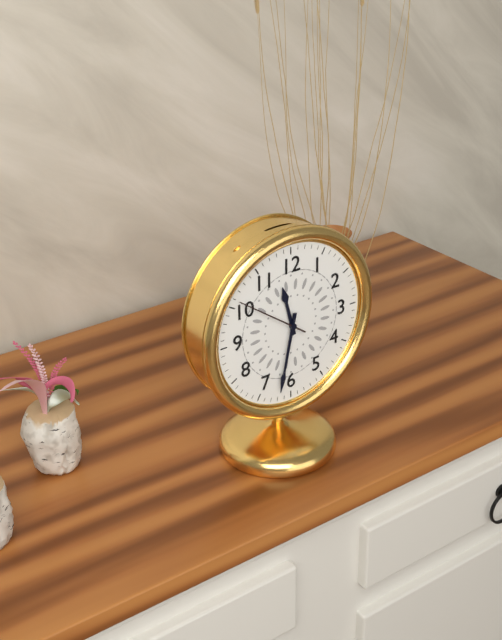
11:32:51
